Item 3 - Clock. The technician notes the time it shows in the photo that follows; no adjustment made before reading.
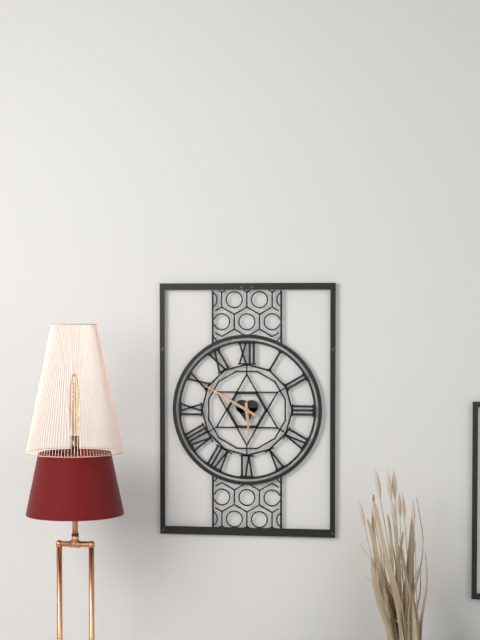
5:50
